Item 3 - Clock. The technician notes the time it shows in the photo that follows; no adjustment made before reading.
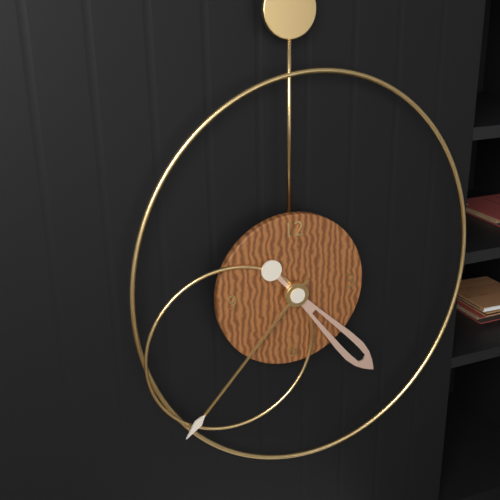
4:37
